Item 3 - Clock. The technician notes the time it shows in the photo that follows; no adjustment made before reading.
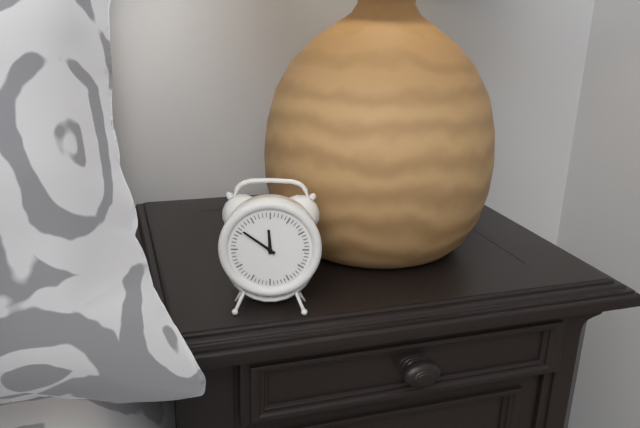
11:51
